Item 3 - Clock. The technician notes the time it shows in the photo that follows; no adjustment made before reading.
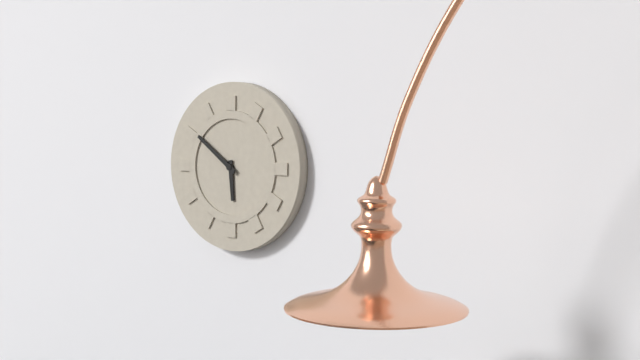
5:51
